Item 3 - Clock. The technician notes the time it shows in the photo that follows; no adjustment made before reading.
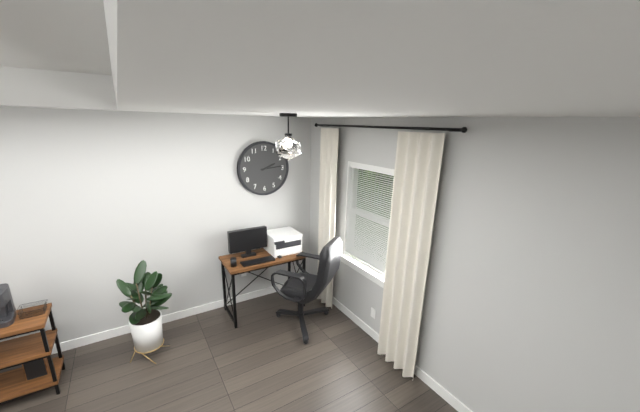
2:14
